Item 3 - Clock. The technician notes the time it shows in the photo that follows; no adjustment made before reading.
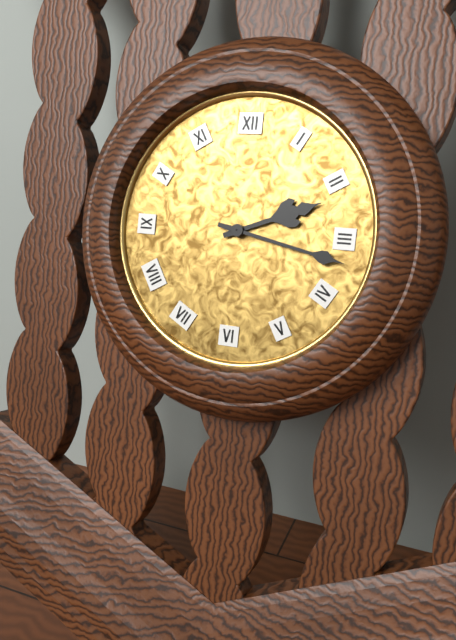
2:17
